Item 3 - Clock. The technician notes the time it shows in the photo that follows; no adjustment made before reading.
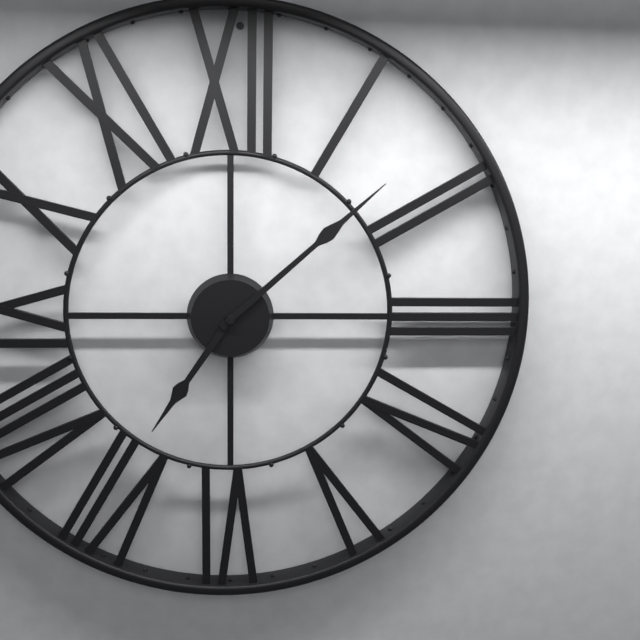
7:08
